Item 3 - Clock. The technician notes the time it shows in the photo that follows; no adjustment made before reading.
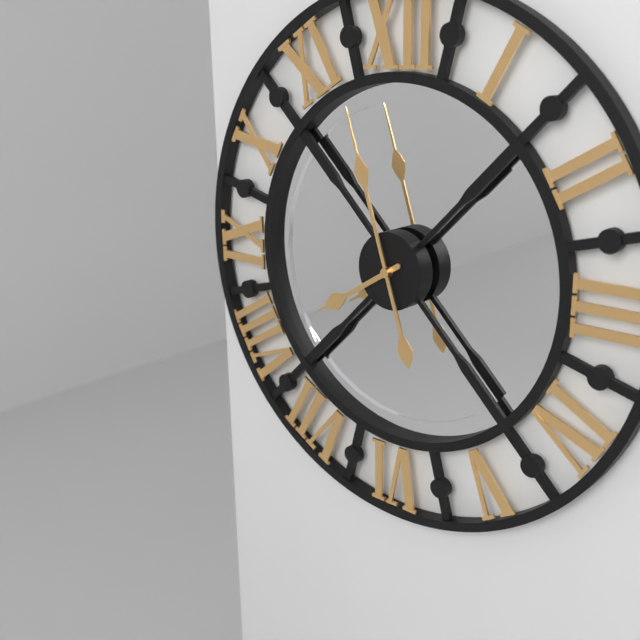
7:57
